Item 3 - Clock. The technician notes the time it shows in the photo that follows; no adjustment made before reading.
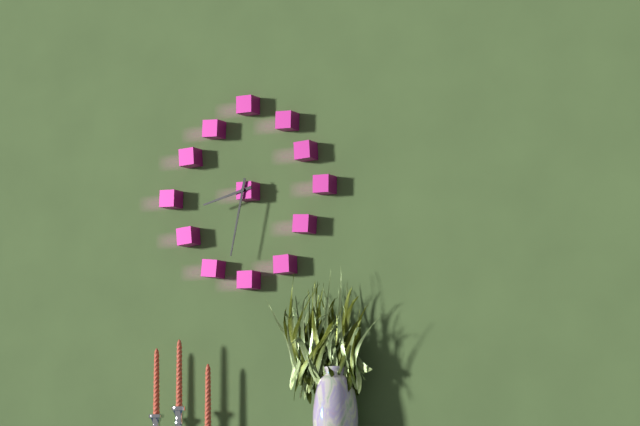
8:32
